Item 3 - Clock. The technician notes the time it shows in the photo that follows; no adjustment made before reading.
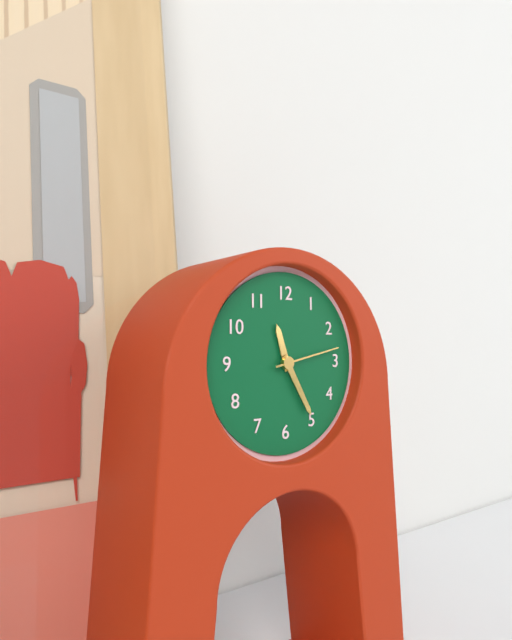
11:25:13
